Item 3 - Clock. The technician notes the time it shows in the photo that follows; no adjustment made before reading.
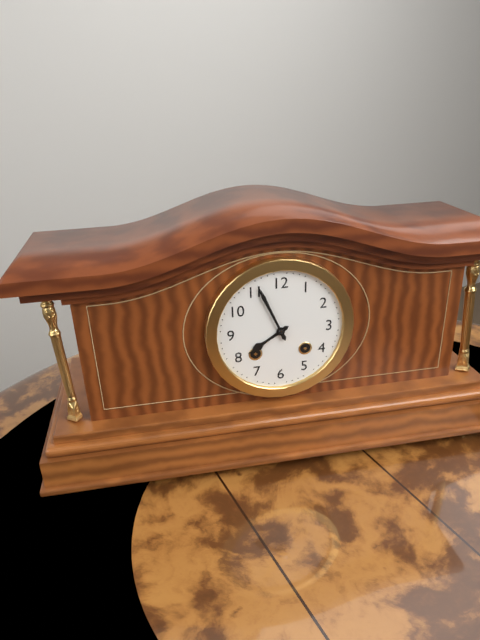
7:56
